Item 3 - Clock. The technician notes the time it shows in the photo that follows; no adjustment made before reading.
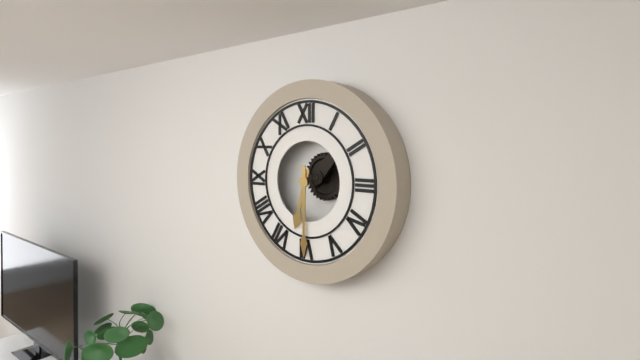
6:30
